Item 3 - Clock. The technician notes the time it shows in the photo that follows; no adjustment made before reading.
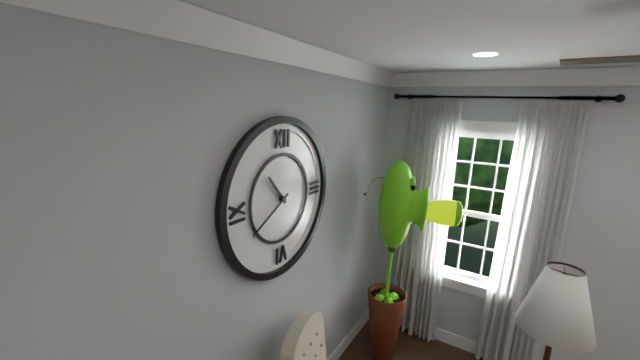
10:40
